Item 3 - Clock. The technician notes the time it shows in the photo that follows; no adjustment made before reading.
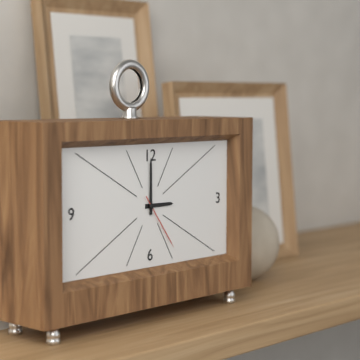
3:00:24
